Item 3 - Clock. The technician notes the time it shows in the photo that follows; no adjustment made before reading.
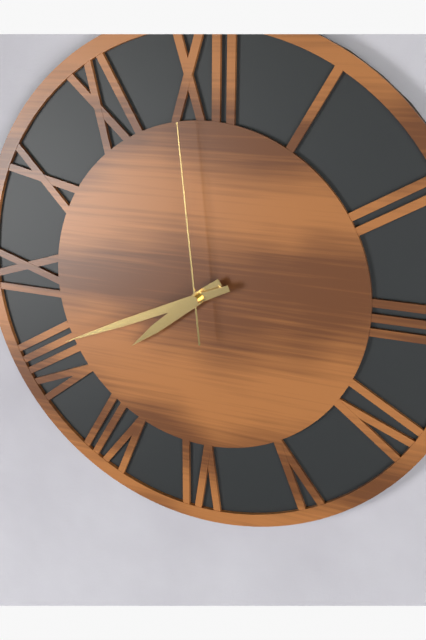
7:41:59
